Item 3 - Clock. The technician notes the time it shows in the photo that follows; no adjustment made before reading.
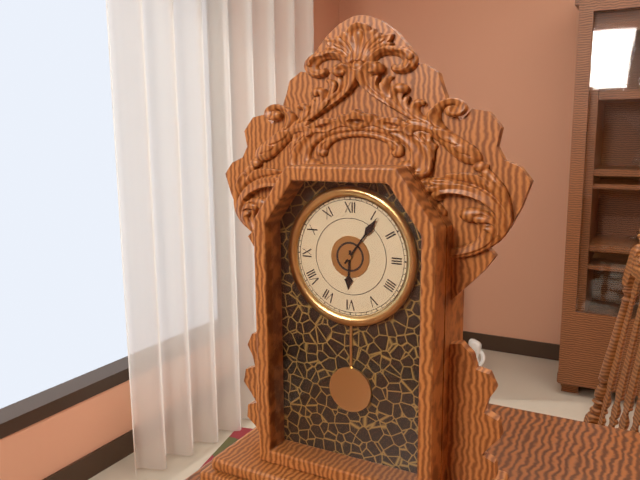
6:06
